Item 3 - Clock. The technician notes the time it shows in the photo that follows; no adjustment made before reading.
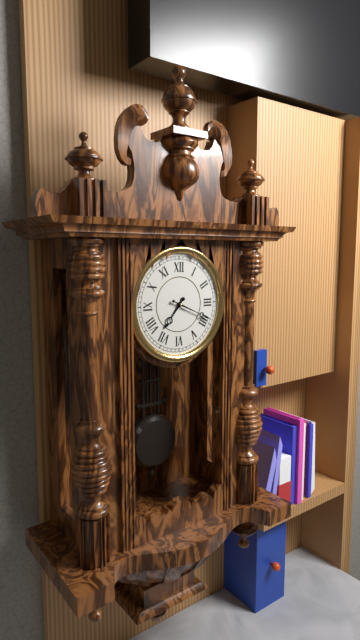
7:19
